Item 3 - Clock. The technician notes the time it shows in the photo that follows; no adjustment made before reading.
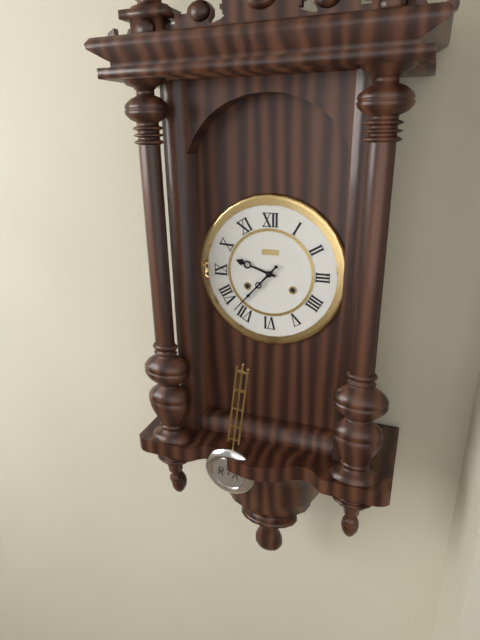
9:37
